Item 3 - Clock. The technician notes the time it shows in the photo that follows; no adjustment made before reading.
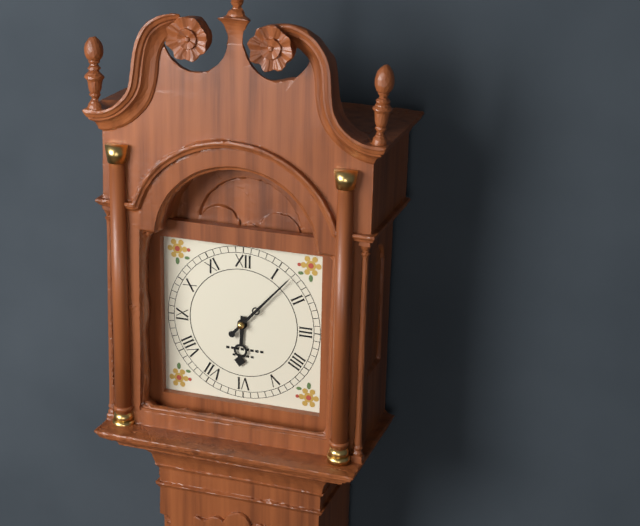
6:07
